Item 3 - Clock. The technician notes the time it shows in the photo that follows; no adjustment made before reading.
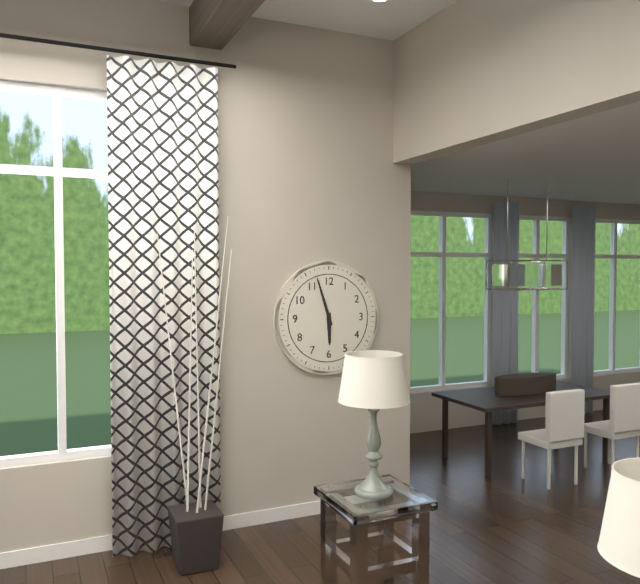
5:57
